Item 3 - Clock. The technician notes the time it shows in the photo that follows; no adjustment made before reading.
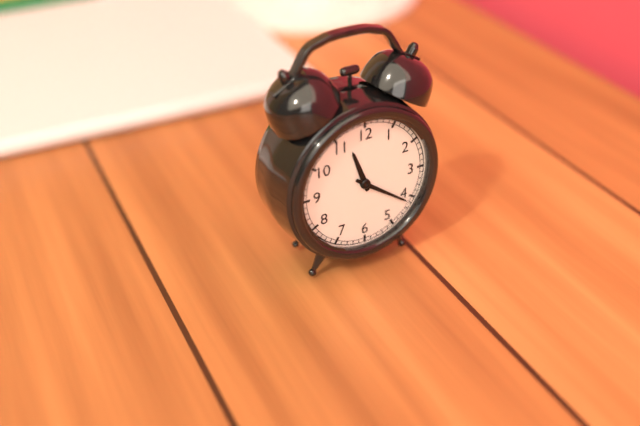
11:21
